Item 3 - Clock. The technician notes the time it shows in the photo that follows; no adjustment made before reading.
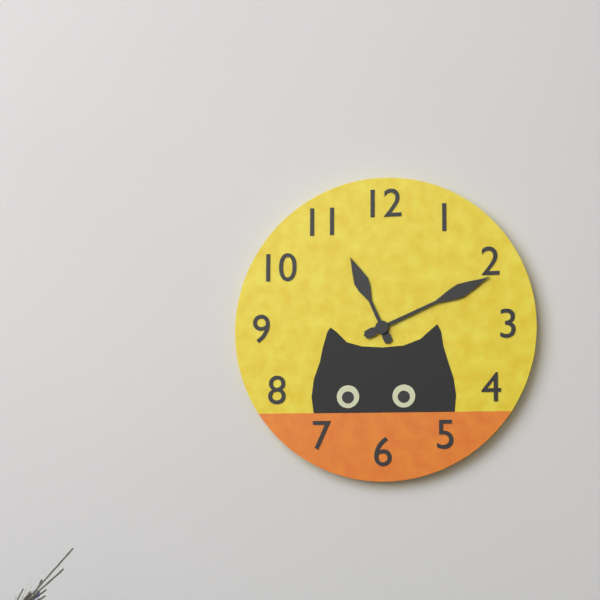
11:11
